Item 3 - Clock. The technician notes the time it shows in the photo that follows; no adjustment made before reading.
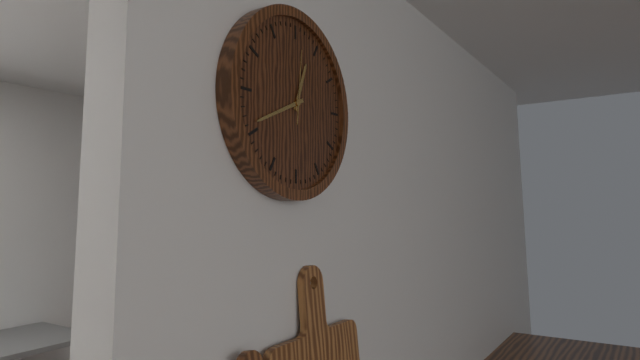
12:41:01
